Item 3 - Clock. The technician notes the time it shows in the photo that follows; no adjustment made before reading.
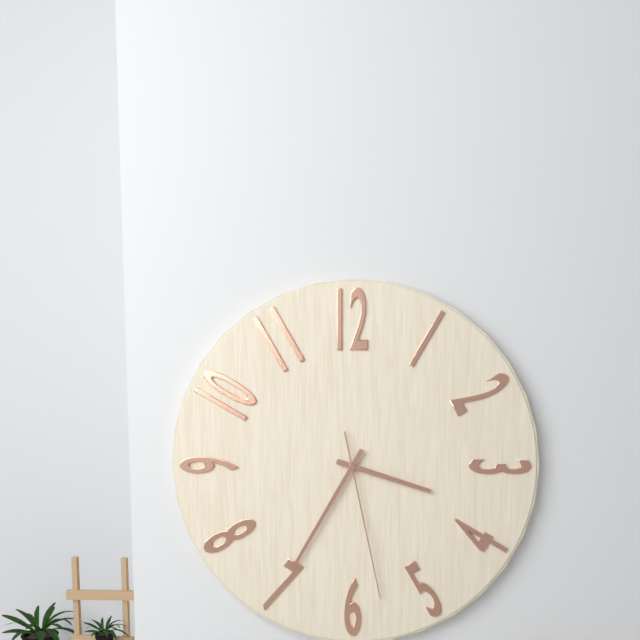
3:35:28
